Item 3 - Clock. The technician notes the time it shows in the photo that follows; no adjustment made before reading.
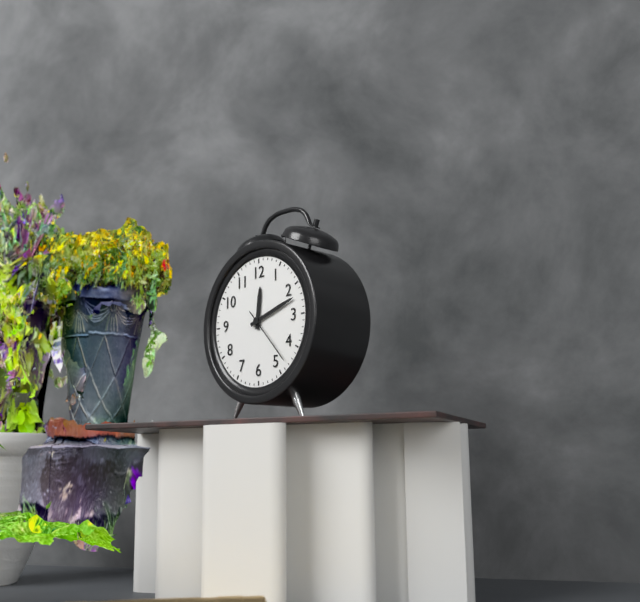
12:12:23
